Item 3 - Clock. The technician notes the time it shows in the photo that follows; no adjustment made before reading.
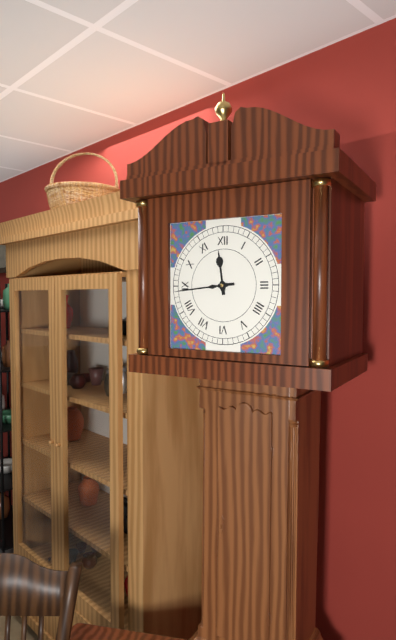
11:44
